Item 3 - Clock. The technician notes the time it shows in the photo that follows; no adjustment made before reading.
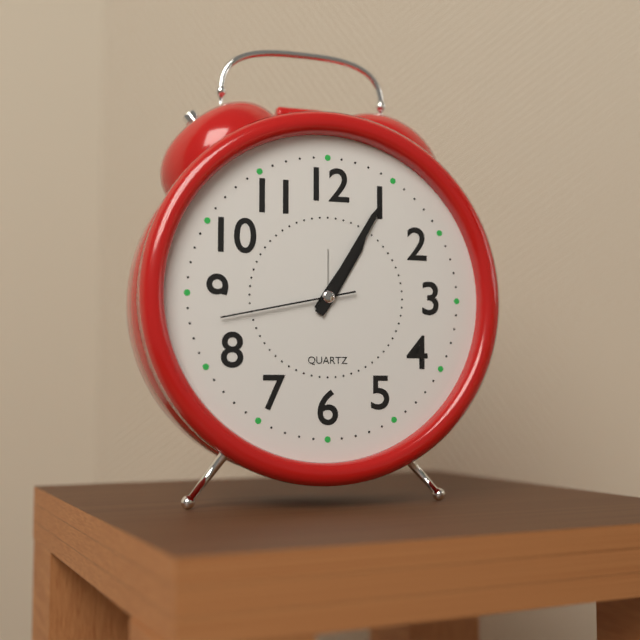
1:05:43
